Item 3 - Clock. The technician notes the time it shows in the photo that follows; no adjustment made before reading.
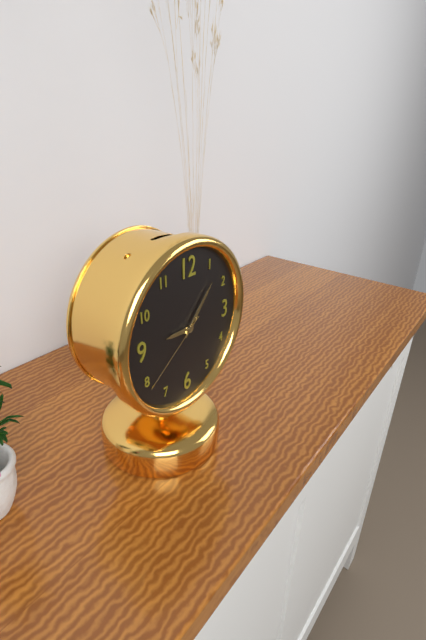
9:07:39
